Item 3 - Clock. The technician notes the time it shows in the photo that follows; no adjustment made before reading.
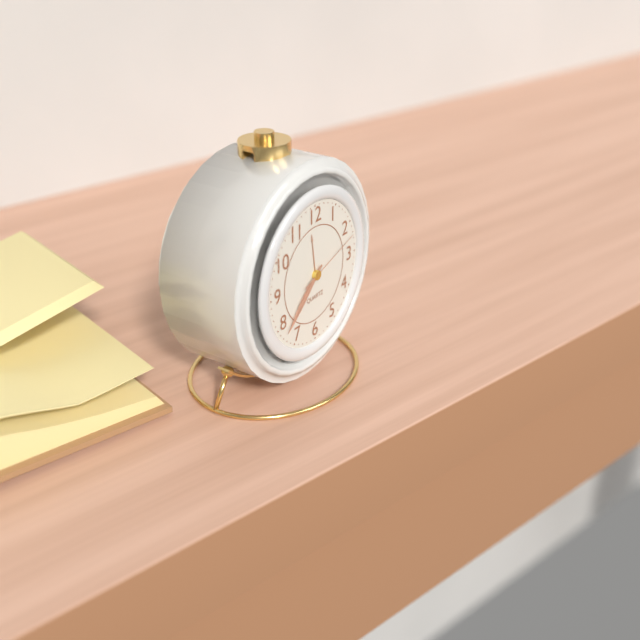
7:38:12
